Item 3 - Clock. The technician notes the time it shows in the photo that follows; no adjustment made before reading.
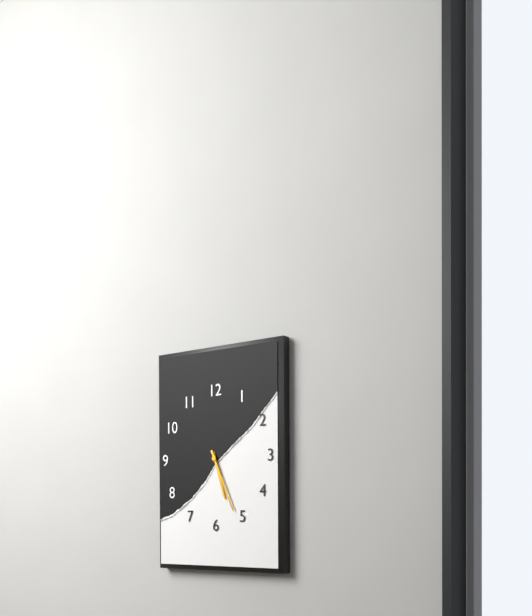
5:26
